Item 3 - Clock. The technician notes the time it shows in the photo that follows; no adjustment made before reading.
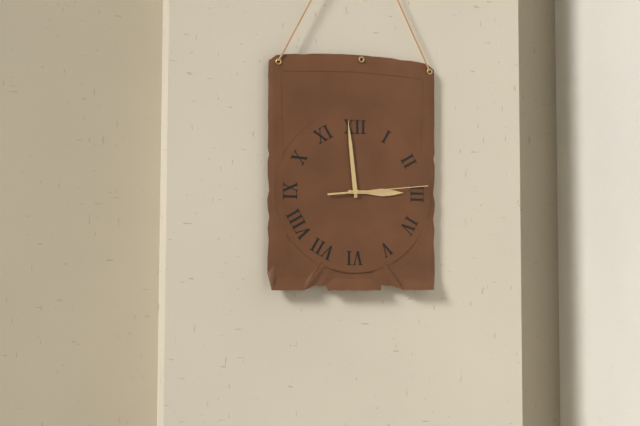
2:59:14
